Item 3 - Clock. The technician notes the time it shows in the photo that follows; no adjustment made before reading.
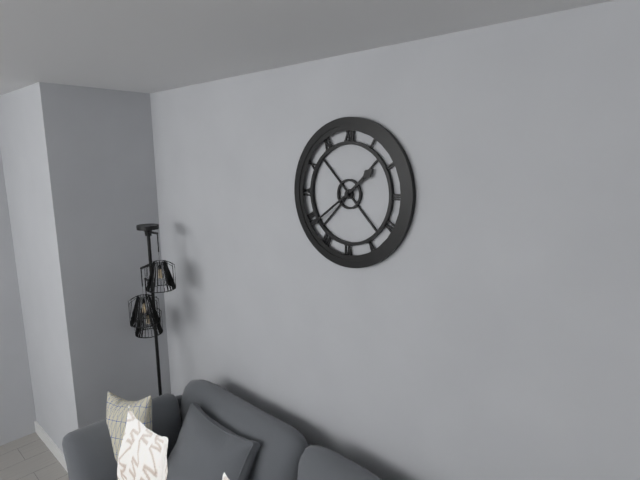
1:39
